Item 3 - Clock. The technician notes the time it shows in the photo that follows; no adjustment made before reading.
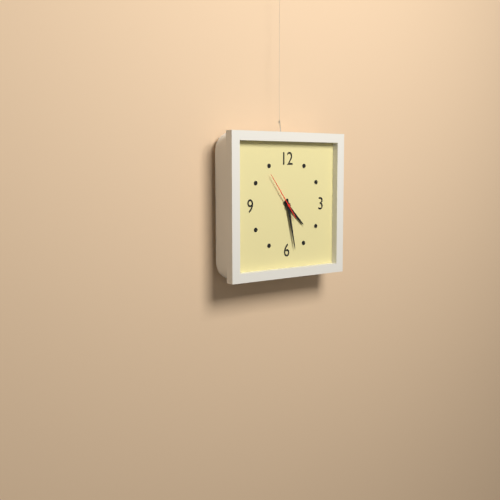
4:28
